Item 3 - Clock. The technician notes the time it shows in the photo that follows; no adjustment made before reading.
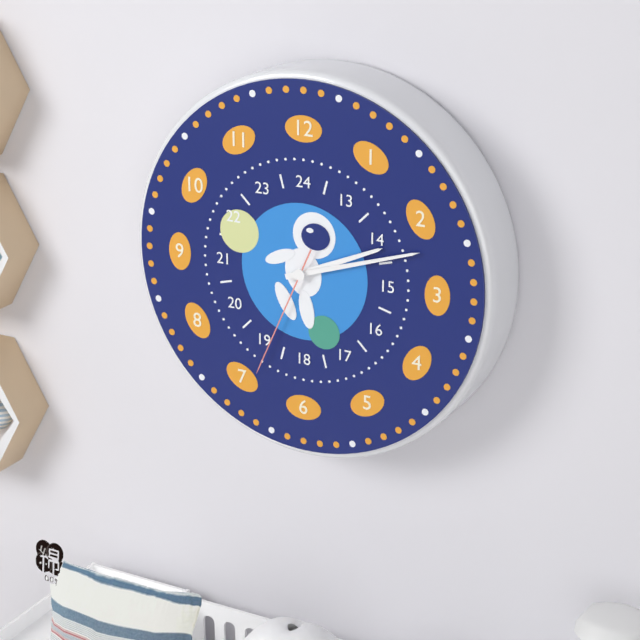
2:12:34
